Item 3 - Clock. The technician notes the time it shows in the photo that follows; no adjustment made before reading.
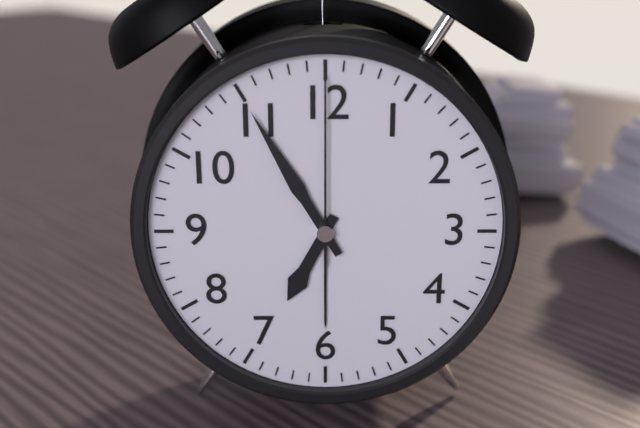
6:55:00
